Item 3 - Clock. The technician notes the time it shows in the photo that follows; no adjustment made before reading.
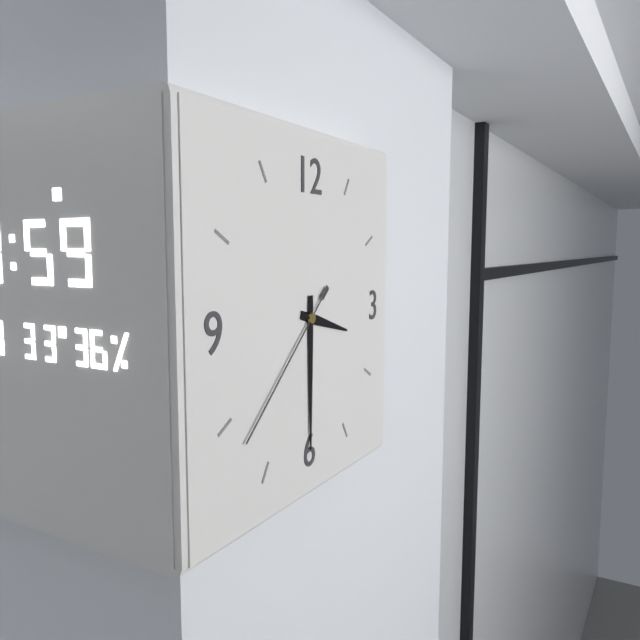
3:30:38
